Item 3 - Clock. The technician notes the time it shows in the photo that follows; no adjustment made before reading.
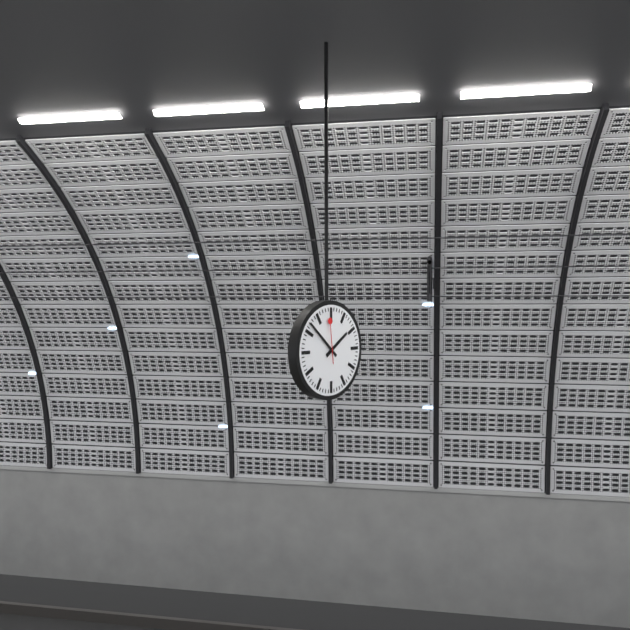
1:52
